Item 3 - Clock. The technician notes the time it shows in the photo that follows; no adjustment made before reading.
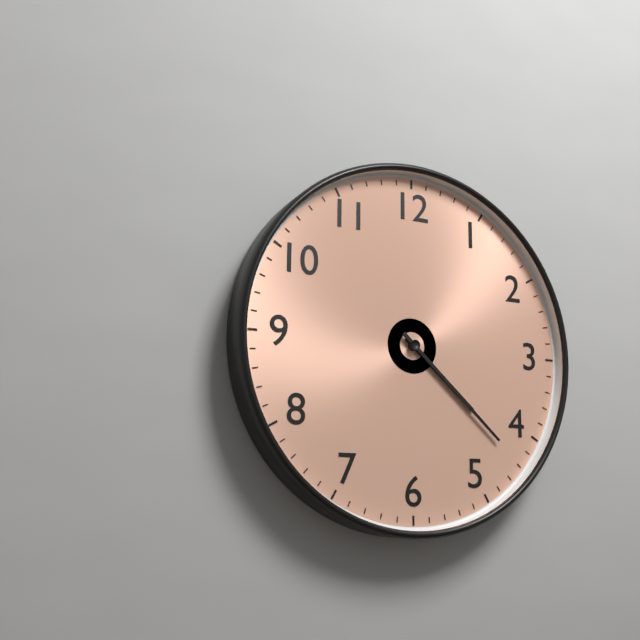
4:22
